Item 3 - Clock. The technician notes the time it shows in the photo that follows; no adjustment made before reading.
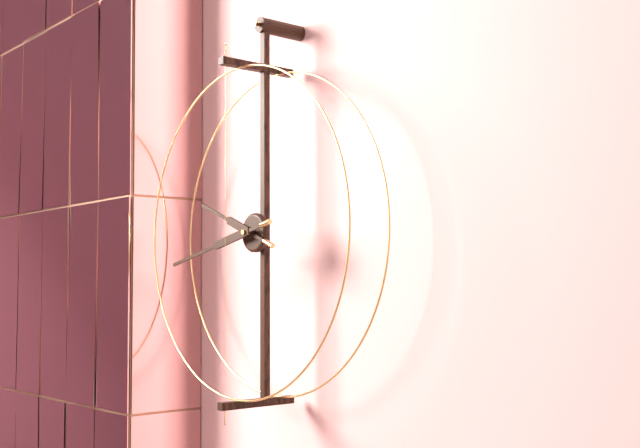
9:43
